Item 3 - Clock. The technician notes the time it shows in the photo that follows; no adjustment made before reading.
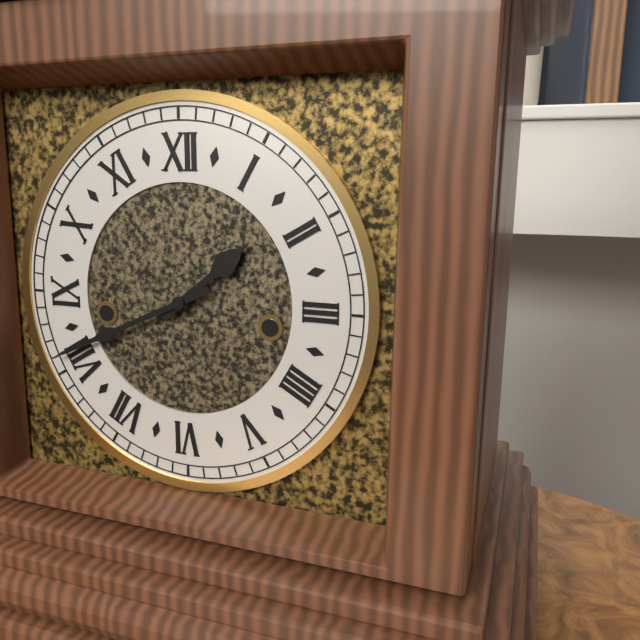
1:41
